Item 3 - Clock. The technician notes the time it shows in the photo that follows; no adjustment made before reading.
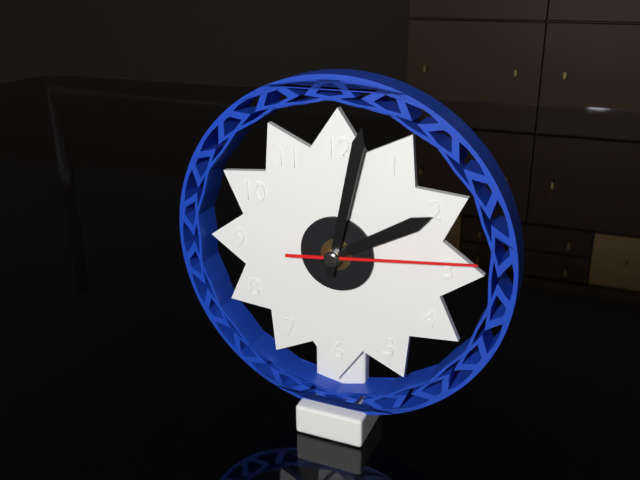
2:02:14
